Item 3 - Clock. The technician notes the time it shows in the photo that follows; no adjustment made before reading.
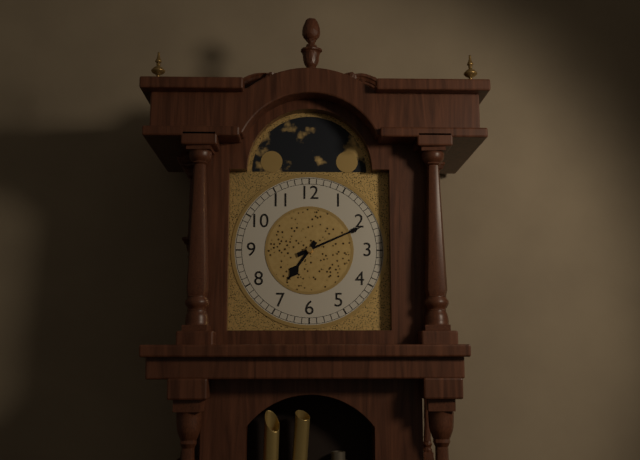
7:11
